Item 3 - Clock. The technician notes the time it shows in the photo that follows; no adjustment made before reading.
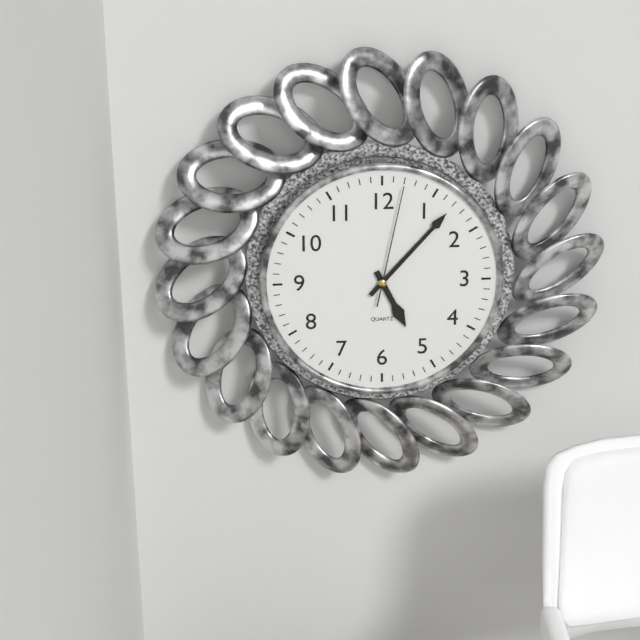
5:07:02
